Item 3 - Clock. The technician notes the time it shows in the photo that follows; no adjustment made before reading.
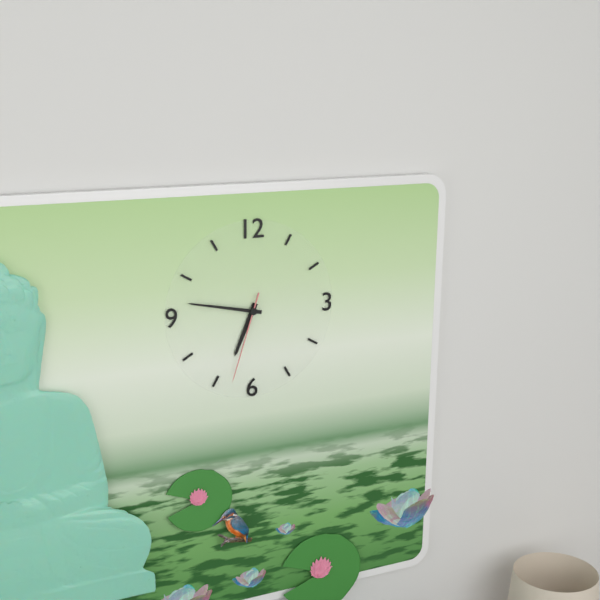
6:47:33
